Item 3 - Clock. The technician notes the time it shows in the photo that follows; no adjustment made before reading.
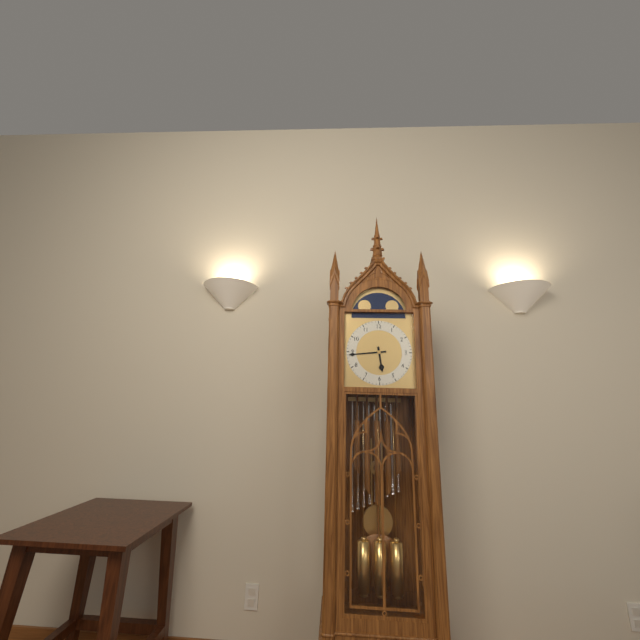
5:44
